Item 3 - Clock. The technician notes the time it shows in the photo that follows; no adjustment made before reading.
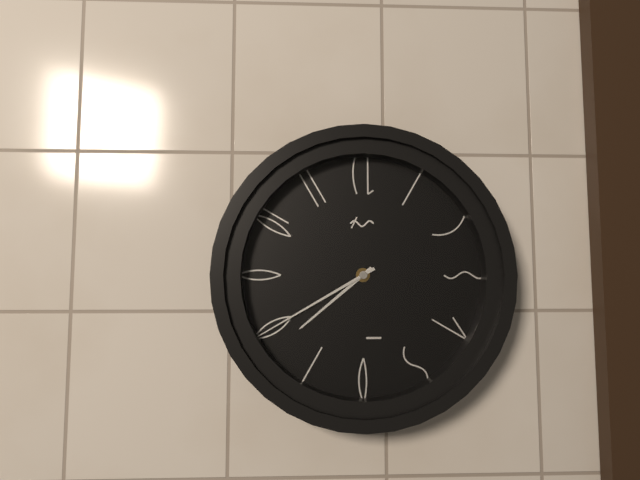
7:40
